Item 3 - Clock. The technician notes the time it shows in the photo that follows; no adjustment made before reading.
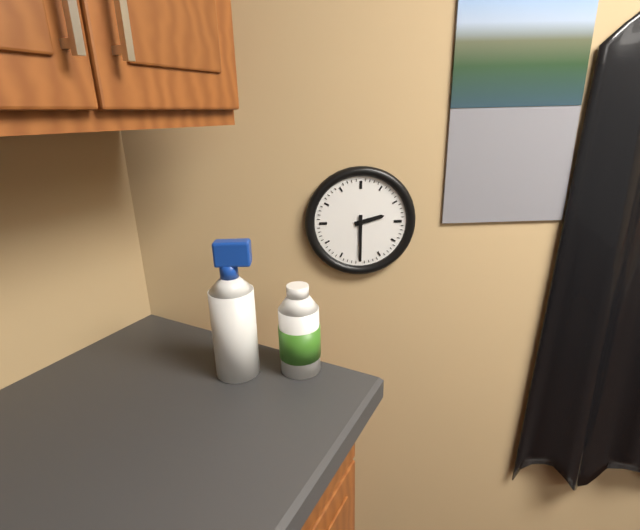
2:30
